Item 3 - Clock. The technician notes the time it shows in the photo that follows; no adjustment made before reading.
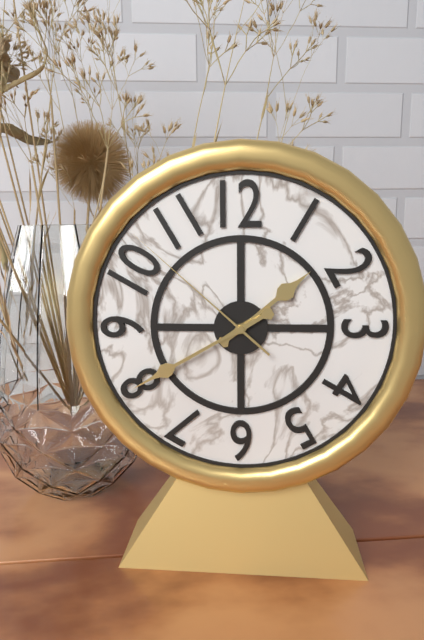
1:40:52
